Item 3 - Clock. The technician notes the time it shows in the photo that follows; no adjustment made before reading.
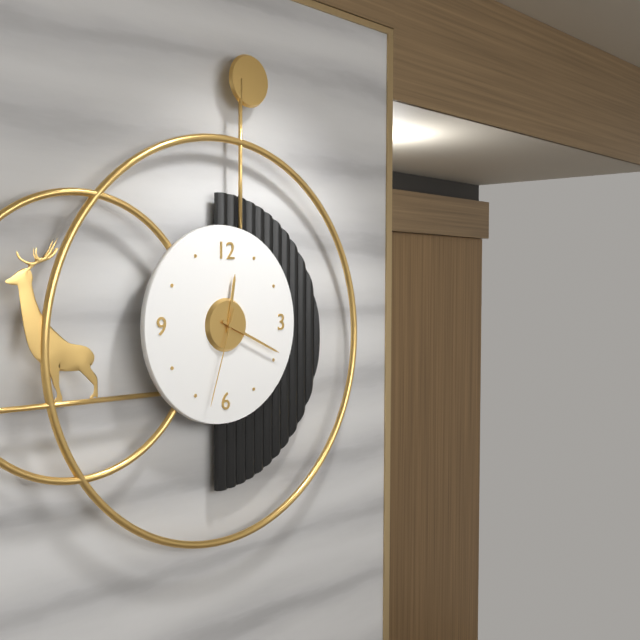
12:19:33
